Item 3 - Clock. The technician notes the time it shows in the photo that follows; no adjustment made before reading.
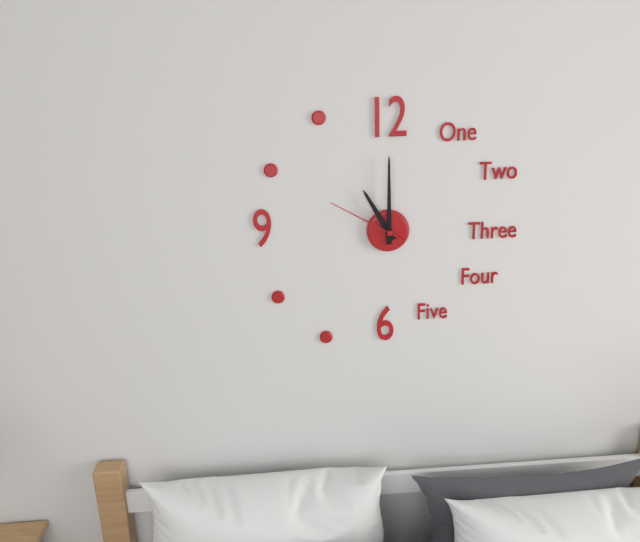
11:00:50
